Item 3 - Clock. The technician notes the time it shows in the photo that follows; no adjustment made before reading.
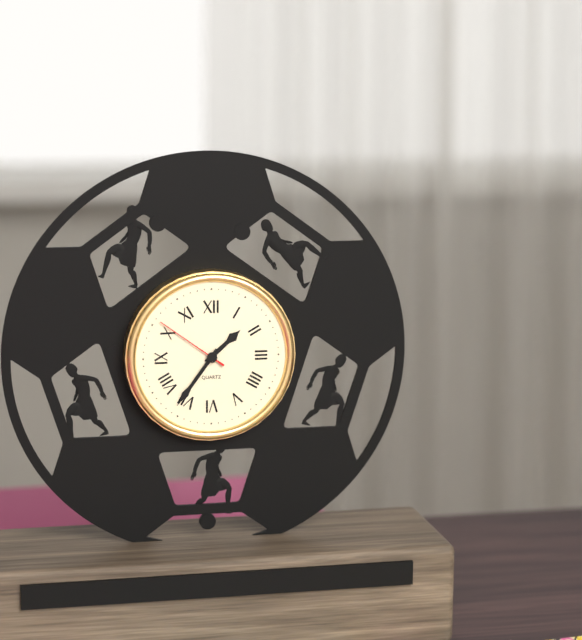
1:36:51
